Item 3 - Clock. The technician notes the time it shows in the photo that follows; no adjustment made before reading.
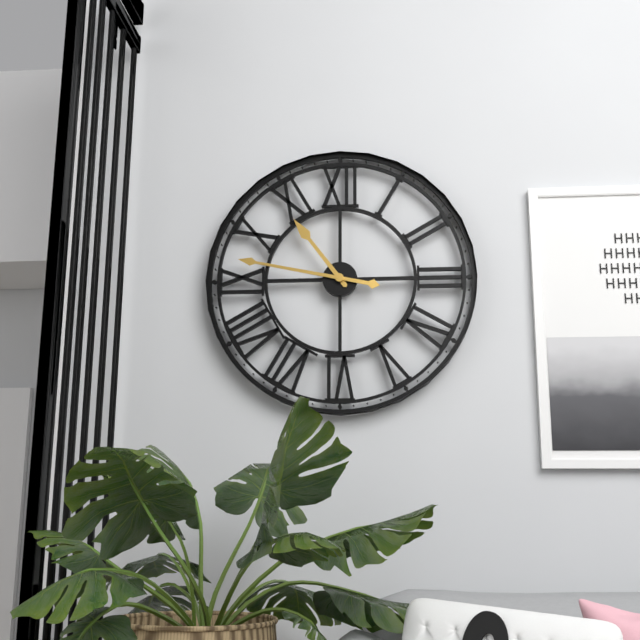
10:47
